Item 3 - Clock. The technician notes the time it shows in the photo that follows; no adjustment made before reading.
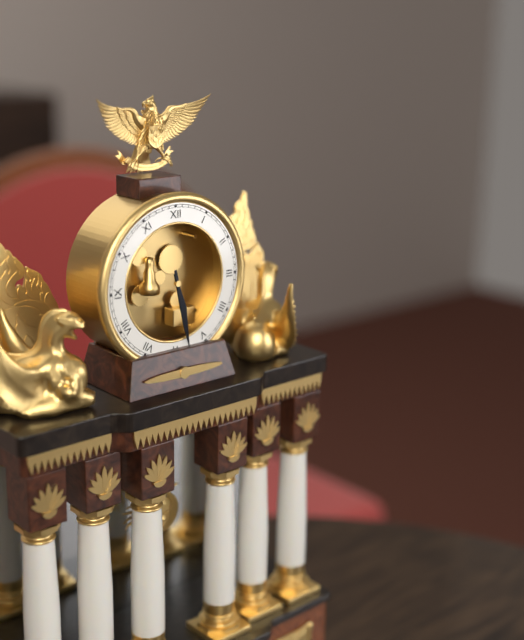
5:28
